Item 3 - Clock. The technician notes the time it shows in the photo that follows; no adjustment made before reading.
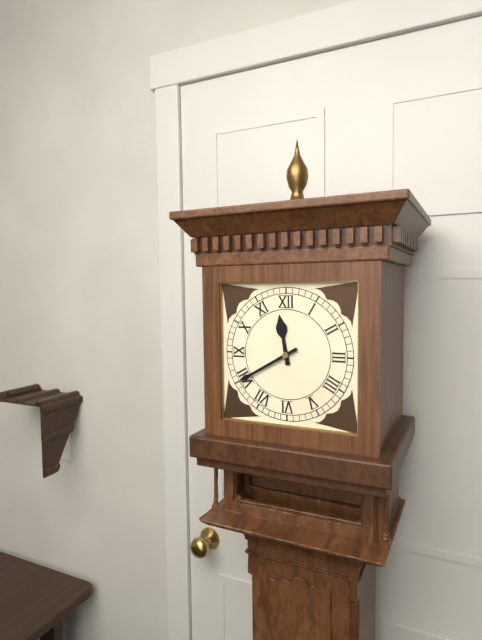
11:40
